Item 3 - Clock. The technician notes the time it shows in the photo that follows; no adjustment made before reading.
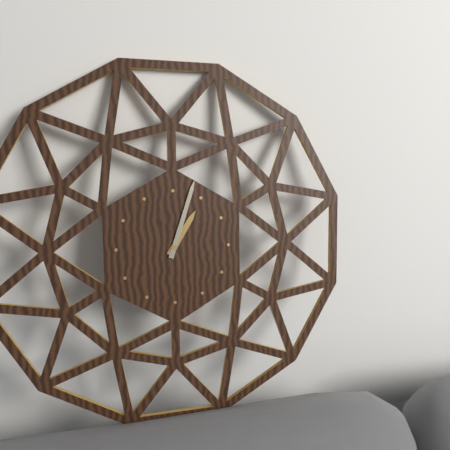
1:03
